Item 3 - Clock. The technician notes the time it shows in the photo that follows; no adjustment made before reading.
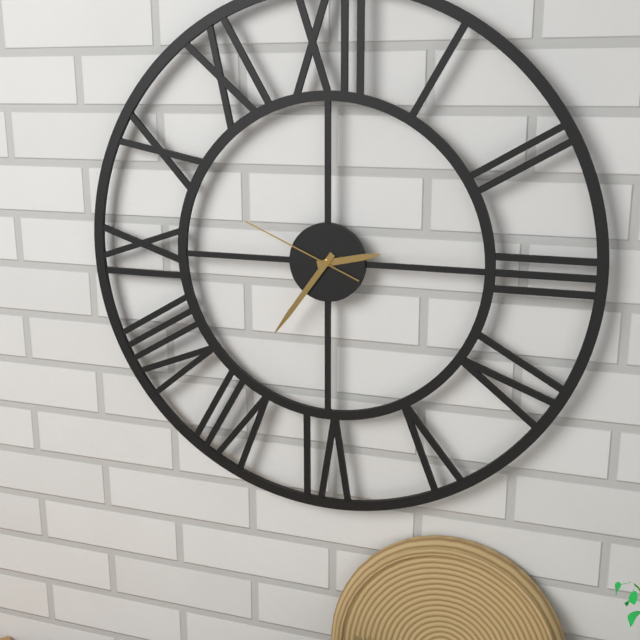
2:36:49
